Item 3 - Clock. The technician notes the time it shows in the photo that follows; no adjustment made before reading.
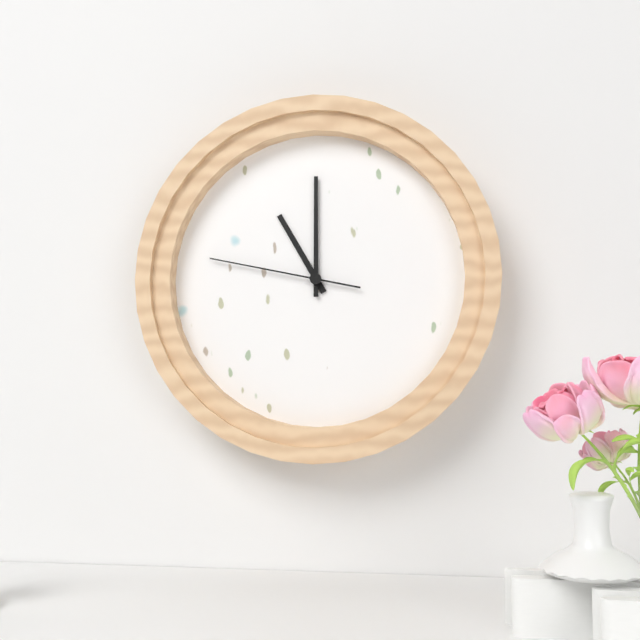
11:00:47
